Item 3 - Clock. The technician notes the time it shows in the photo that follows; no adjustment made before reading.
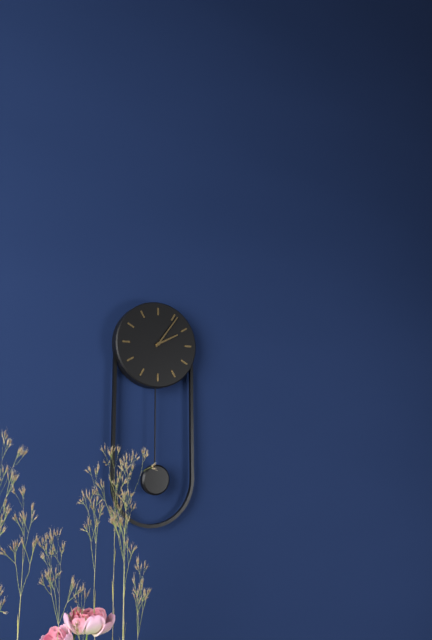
2:06
